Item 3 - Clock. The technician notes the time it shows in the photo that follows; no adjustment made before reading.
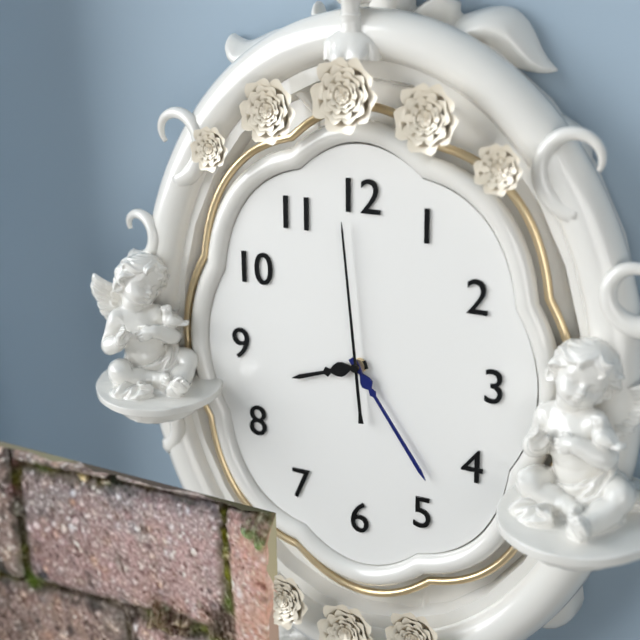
8:24:59
